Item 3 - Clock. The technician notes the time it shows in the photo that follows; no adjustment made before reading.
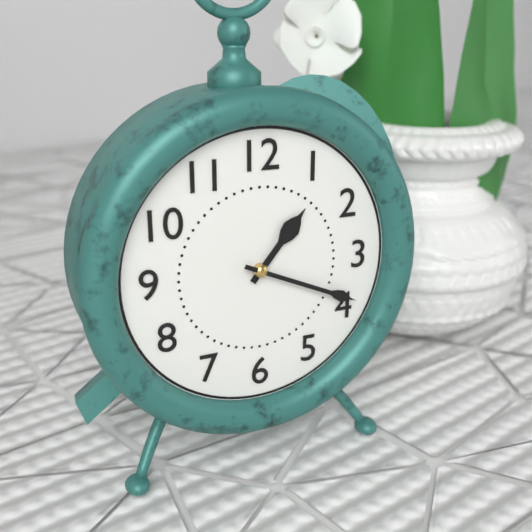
1:19
